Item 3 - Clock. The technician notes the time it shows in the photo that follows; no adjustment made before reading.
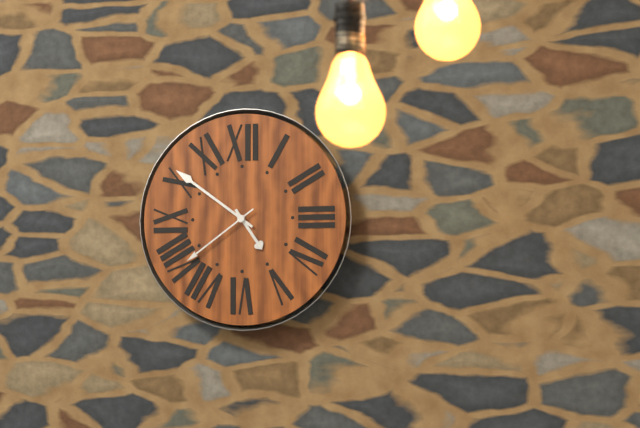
4:51:39
